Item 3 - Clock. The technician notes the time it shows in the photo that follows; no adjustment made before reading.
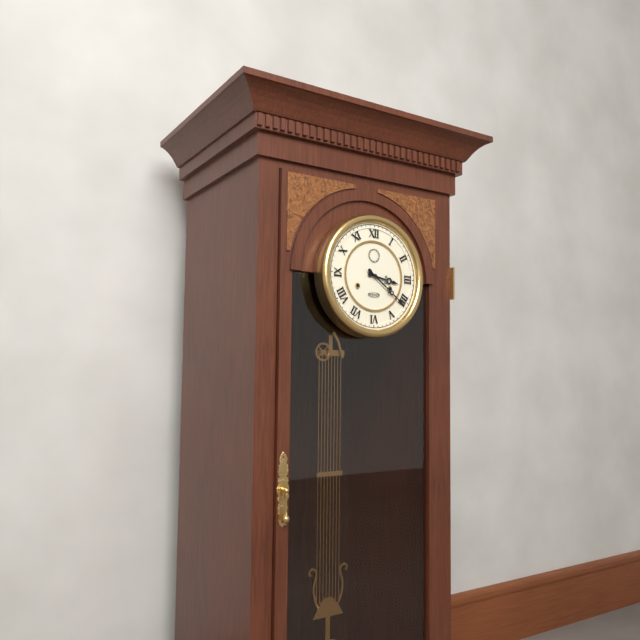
3:21
